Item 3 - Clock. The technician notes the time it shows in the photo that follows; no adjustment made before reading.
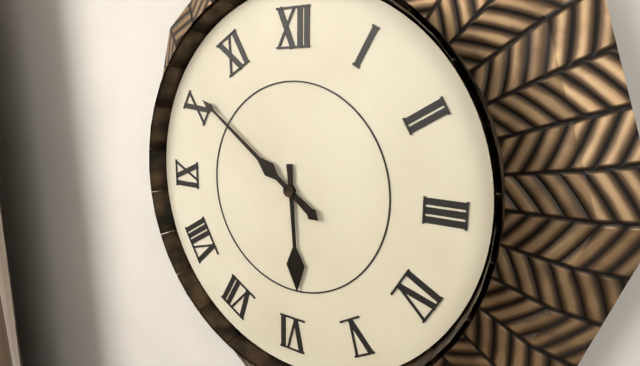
5:51
